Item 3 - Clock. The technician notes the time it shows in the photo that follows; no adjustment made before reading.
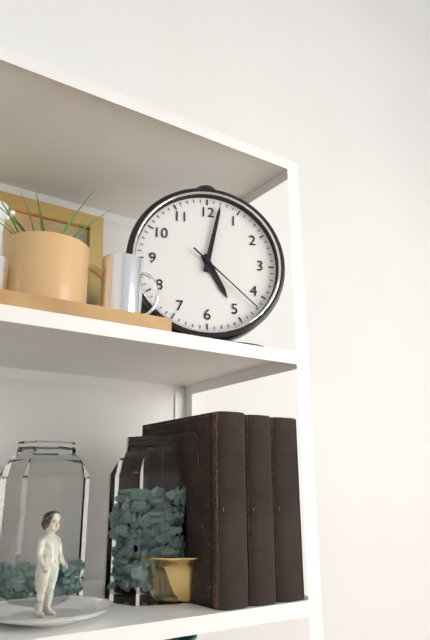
5:02:22
